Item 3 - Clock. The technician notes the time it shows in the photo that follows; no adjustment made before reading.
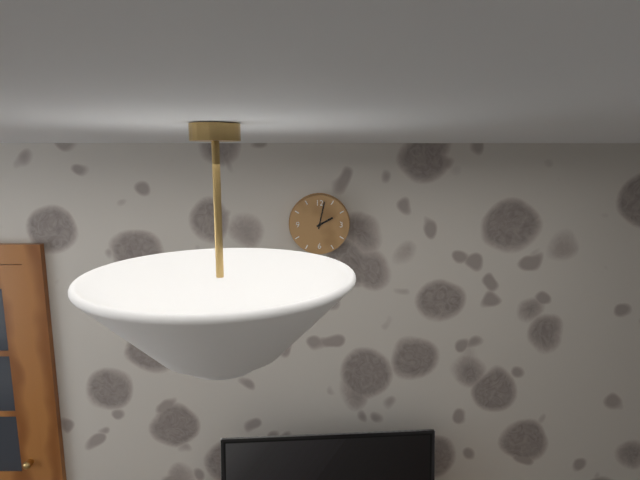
2:02
